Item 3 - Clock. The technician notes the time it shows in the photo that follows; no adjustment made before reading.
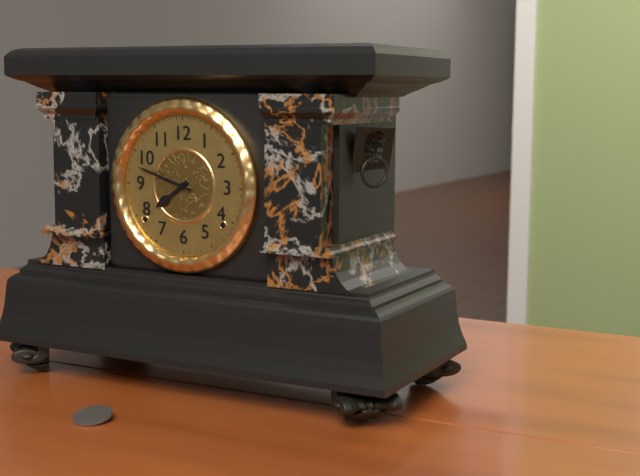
7:48
